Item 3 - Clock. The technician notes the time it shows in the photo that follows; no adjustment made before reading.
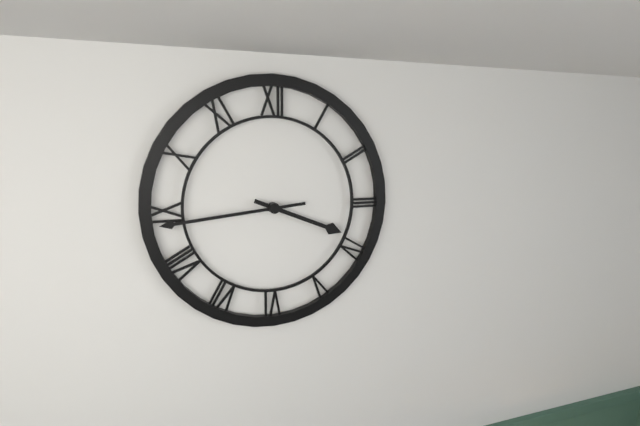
3:44
